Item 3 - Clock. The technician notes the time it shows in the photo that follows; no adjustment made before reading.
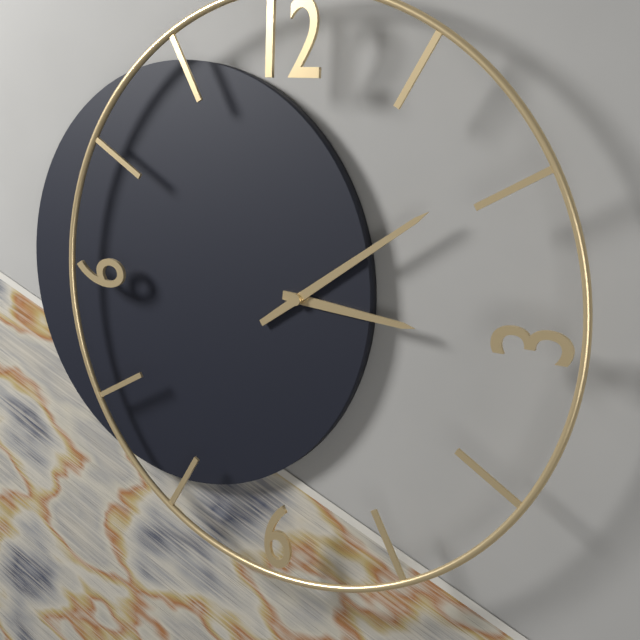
3:09
